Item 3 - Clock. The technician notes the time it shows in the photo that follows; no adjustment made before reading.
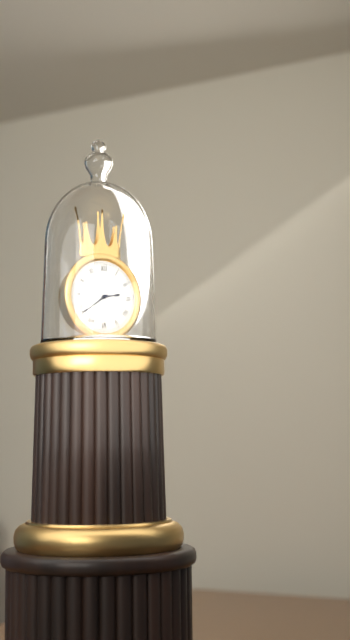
2:39
